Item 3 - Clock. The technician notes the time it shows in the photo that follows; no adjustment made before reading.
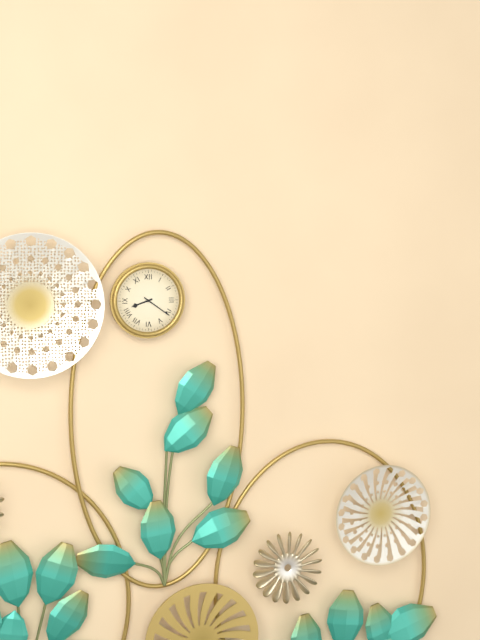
8:21
